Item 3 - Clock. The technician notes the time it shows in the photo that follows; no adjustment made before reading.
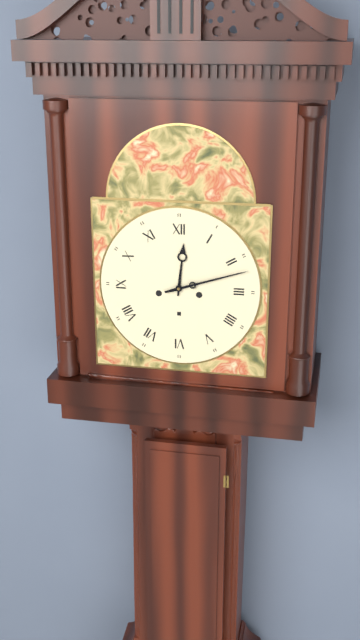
12:12
